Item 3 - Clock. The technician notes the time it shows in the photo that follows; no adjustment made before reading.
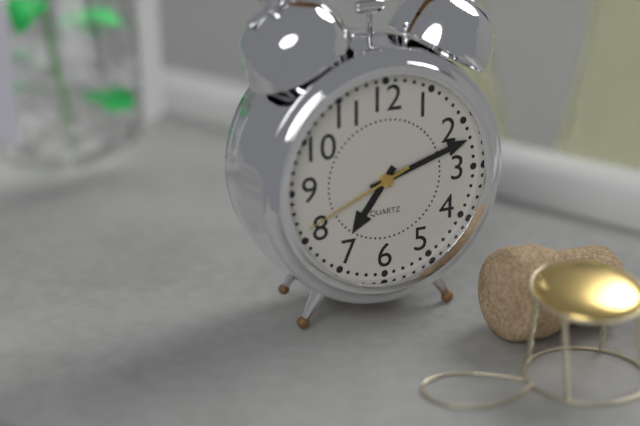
7:12:41
